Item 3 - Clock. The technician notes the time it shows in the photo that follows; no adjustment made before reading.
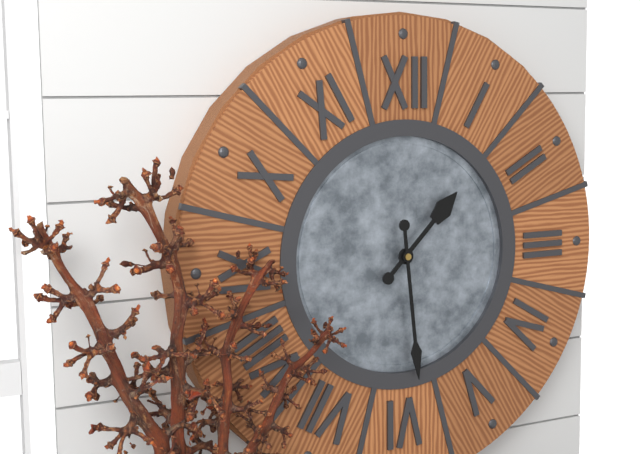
1:29
